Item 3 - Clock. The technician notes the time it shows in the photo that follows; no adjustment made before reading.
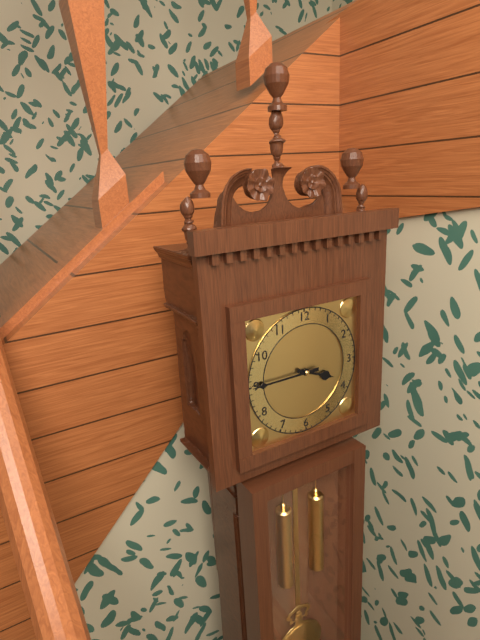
3:45
